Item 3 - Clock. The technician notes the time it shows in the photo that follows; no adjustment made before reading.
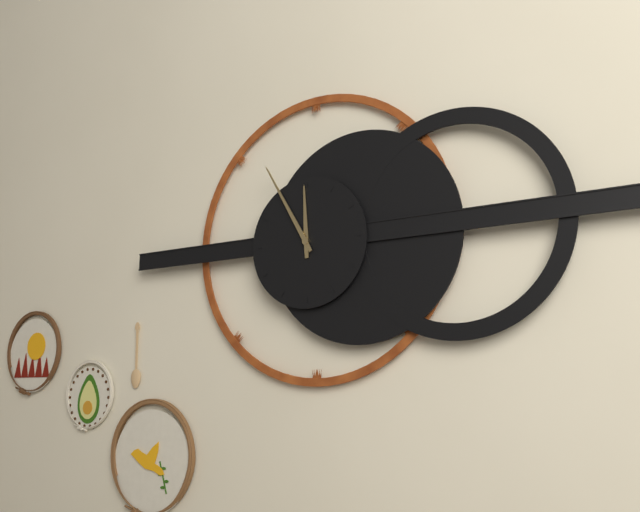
11:55
